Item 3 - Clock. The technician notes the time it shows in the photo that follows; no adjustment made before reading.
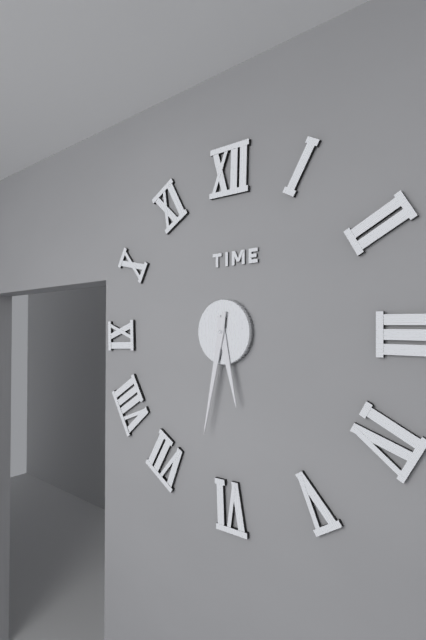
5:32
